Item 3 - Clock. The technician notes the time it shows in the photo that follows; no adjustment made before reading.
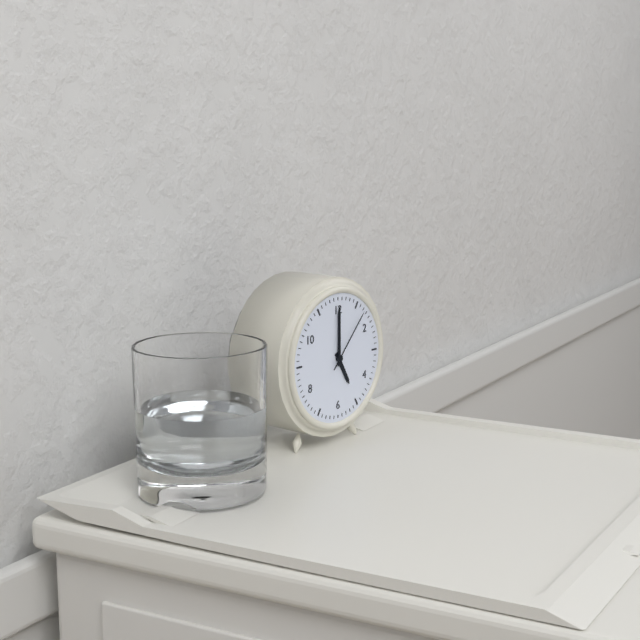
5:00:07
